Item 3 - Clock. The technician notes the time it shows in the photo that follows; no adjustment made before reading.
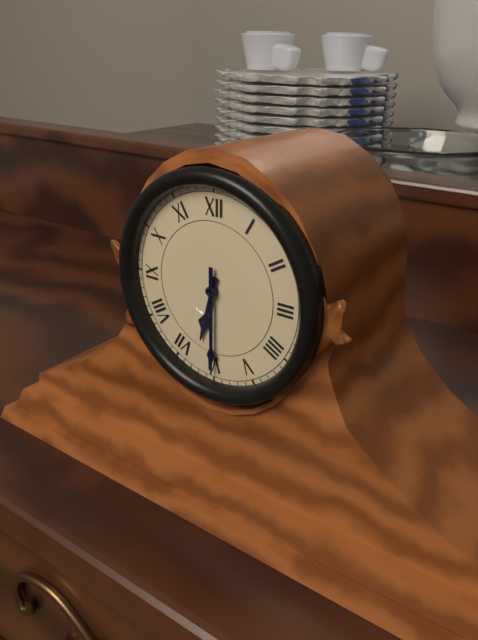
6:30
